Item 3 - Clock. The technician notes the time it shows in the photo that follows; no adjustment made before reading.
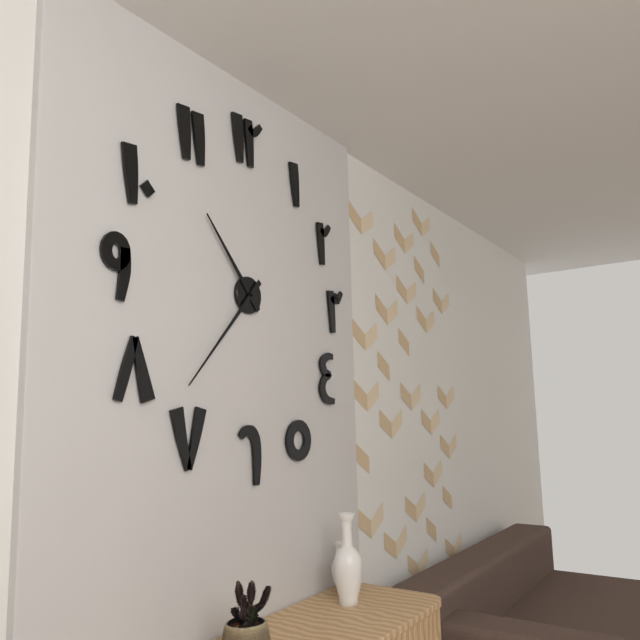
10:37
